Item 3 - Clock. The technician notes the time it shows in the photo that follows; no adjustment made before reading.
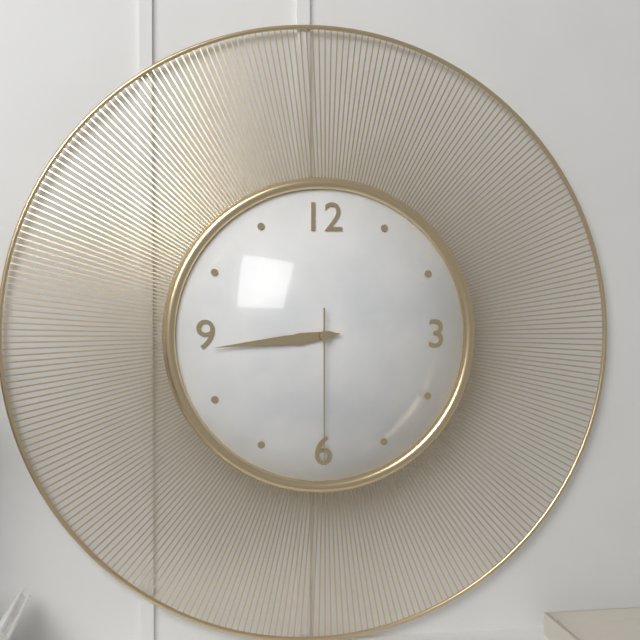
8:44:30
